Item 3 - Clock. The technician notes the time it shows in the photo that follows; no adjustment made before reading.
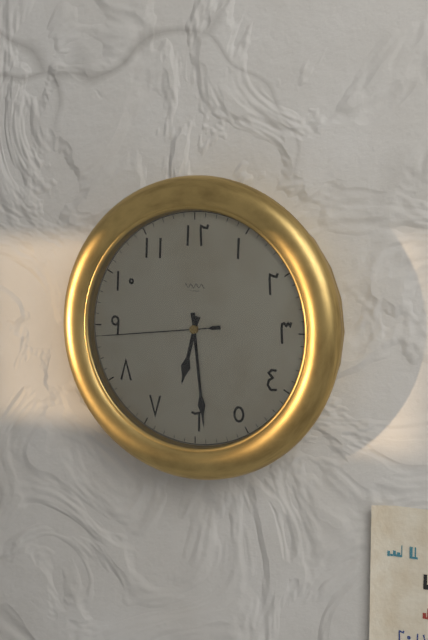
6:29:44
